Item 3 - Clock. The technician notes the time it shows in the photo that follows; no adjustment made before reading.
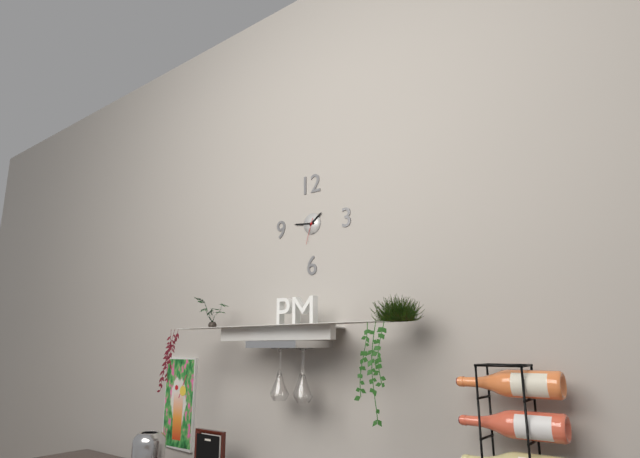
1:46
